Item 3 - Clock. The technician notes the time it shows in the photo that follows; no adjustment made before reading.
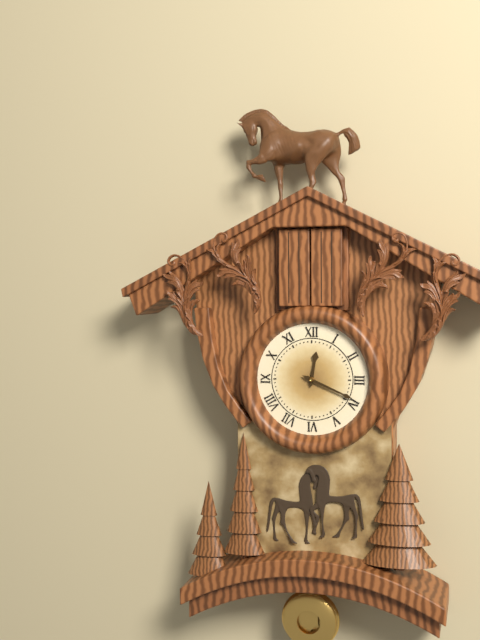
12:19
